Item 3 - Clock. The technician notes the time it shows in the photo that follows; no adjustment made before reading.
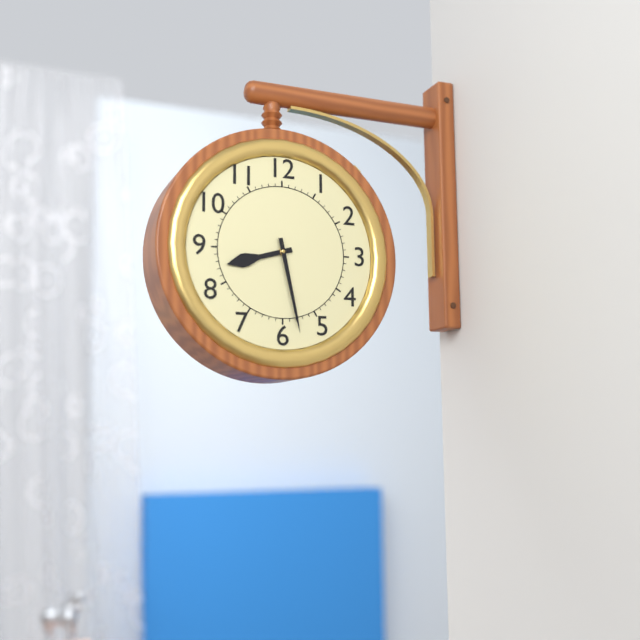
8:28
